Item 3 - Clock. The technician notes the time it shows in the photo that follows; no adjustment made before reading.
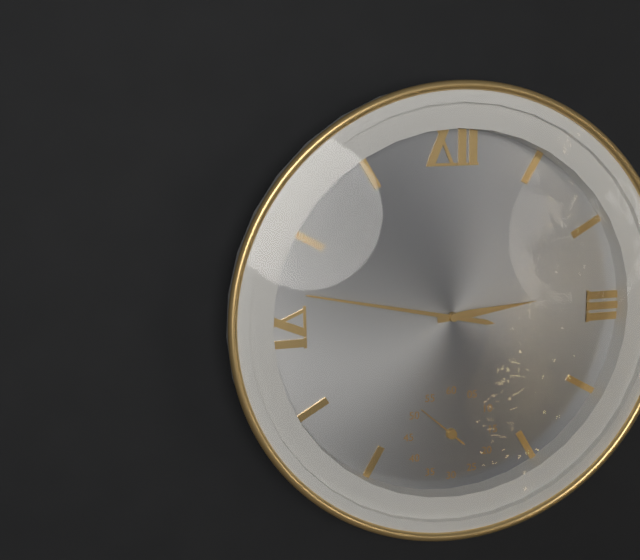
2:47
